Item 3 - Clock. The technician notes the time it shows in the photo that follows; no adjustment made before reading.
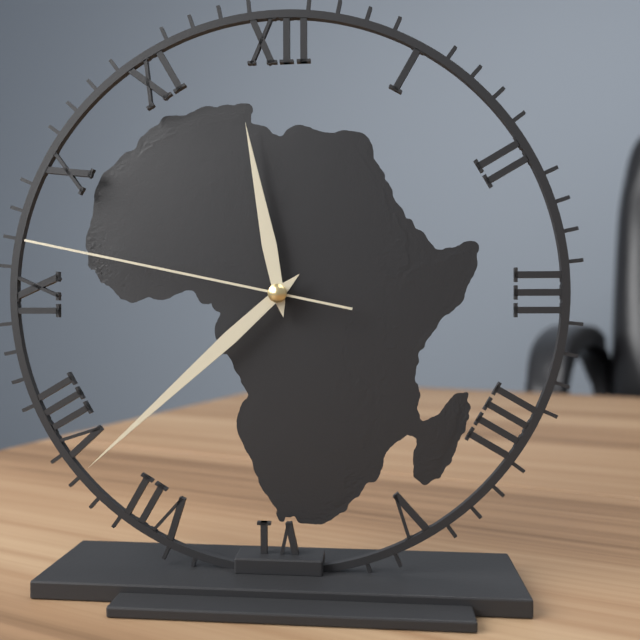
11:38:47
